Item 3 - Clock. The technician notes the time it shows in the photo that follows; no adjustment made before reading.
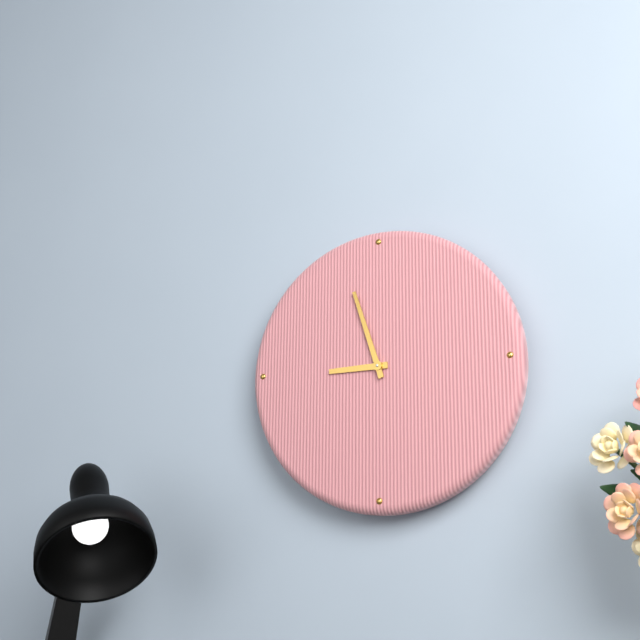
8:57
